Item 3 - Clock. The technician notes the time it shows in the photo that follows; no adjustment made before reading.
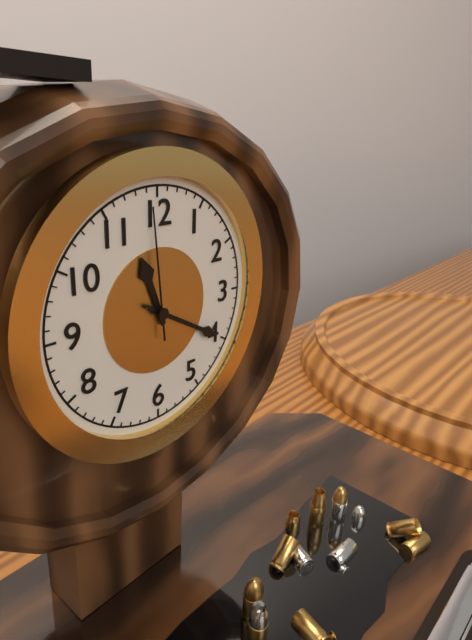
11:20:59
